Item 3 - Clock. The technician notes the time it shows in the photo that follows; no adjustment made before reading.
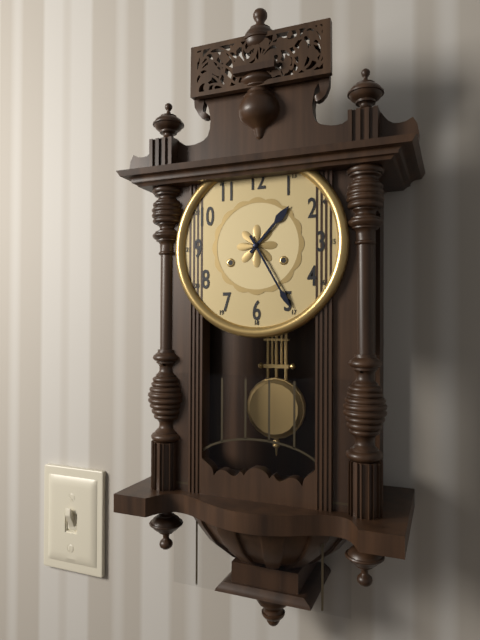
1:25
